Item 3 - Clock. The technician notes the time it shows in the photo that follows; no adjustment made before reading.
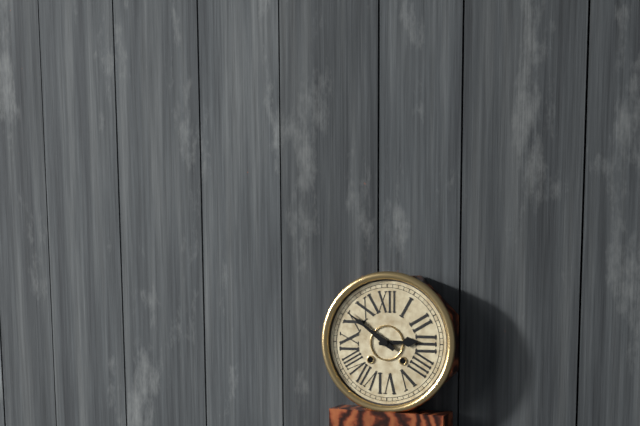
2:51
